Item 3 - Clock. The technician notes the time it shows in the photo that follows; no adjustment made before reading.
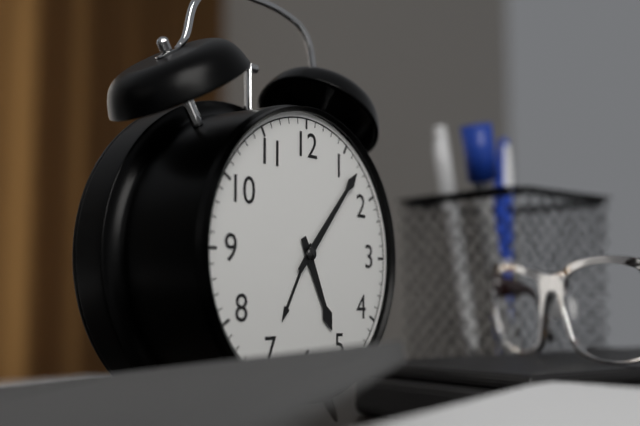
5:07
